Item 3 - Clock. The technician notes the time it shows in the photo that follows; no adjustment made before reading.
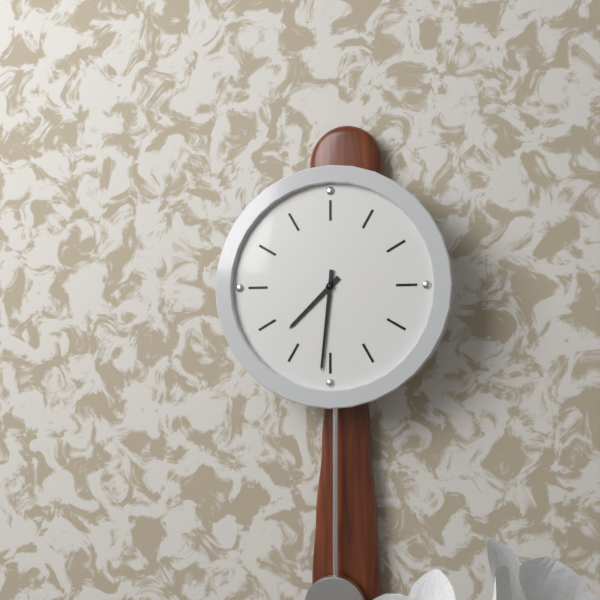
7:31
